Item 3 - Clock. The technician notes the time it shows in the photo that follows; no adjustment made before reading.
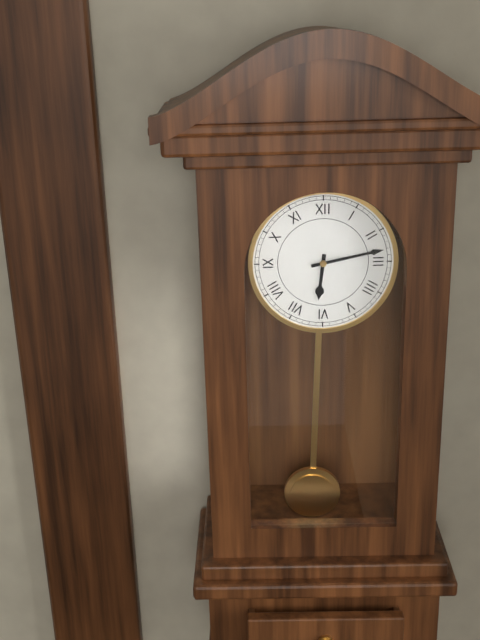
6:13
